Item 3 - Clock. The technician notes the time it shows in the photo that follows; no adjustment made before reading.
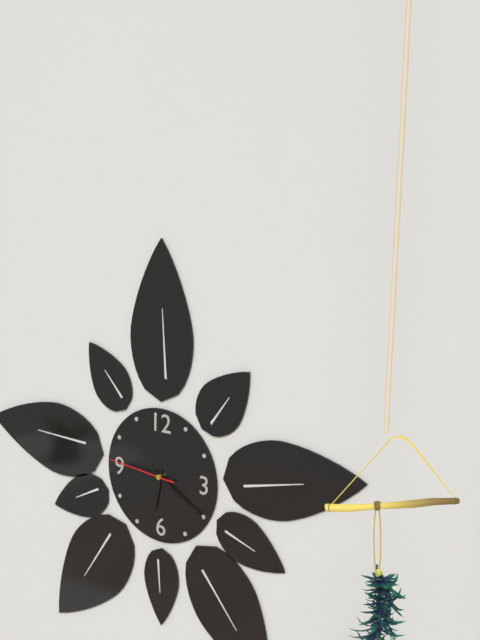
6:20:46
